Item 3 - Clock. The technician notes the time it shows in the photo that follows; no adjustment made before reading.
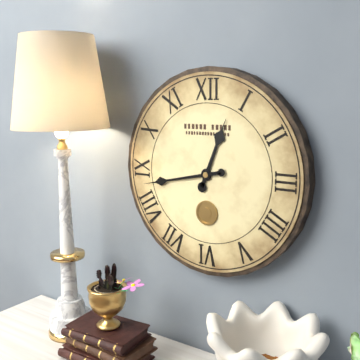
12:43
